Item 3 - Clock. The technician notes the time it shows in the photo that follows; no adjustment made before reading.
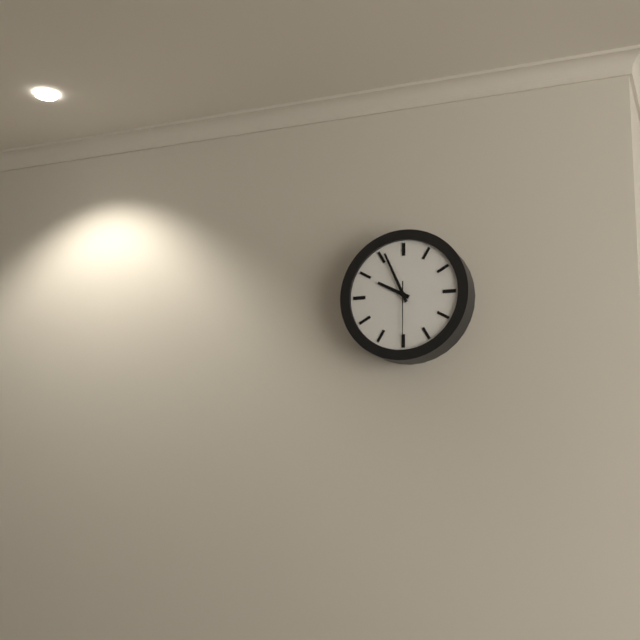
9:56:30
